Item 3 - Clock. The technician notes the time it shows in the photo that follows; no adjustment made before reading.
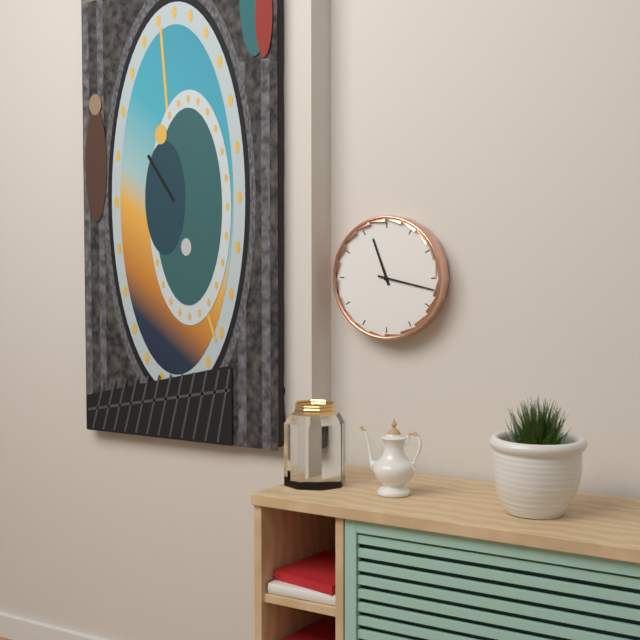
11:17
